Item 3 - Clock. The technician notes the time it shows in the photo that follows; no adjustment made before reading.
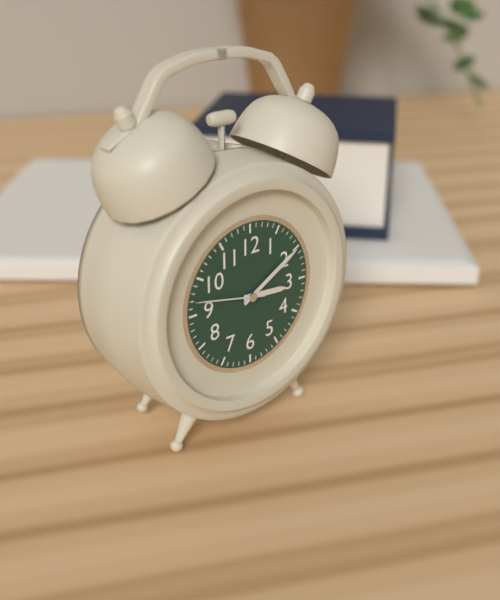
3:10:47
